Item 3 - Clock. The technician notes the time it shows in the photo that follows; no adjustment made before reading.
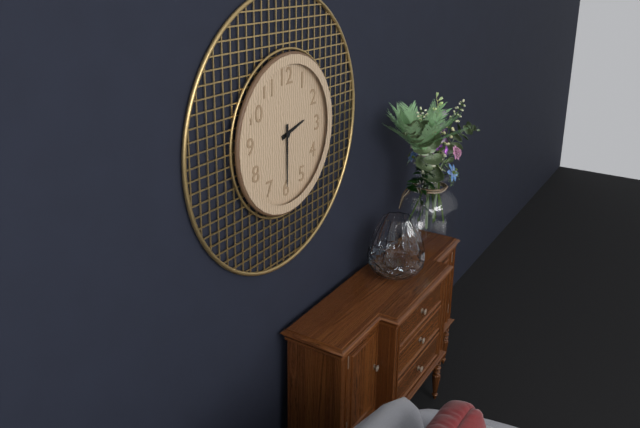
2:30
